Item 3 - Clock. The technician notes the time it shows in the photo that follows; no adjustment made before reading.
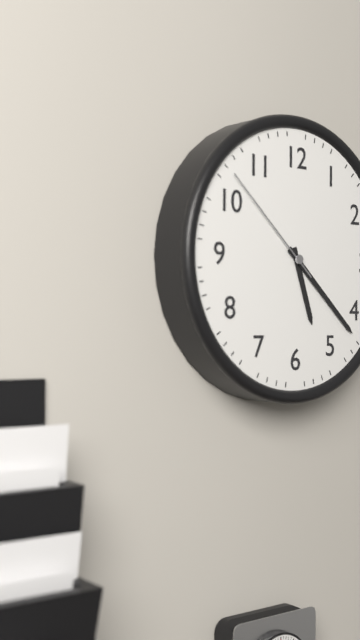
5:22:52
